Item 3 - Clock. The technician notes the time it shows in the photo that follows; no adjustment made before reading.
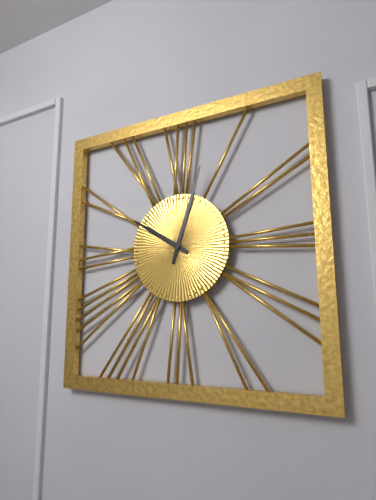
10:03
